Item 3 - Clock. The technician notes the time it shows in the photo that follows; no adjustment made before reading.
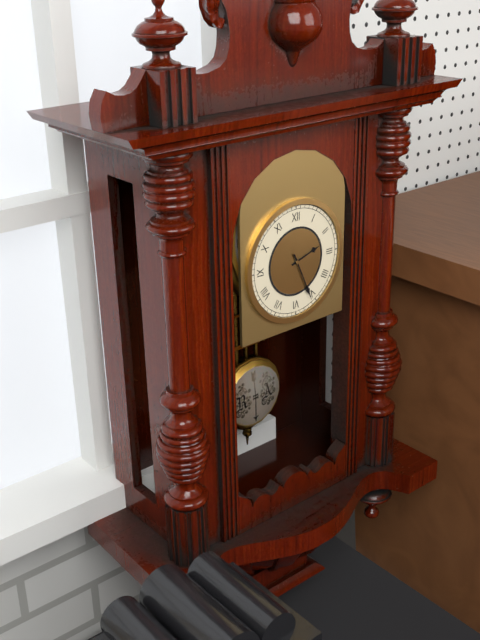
2:26
